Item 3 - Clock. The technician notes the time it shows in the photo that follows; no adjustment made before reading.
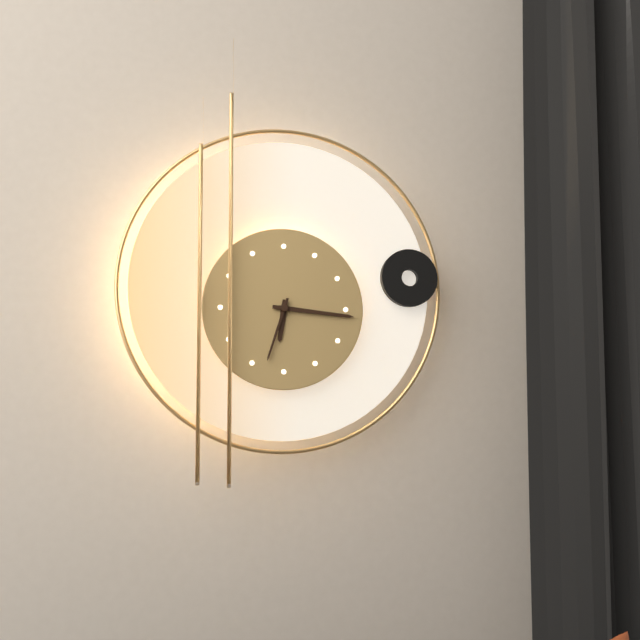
6:16:33
